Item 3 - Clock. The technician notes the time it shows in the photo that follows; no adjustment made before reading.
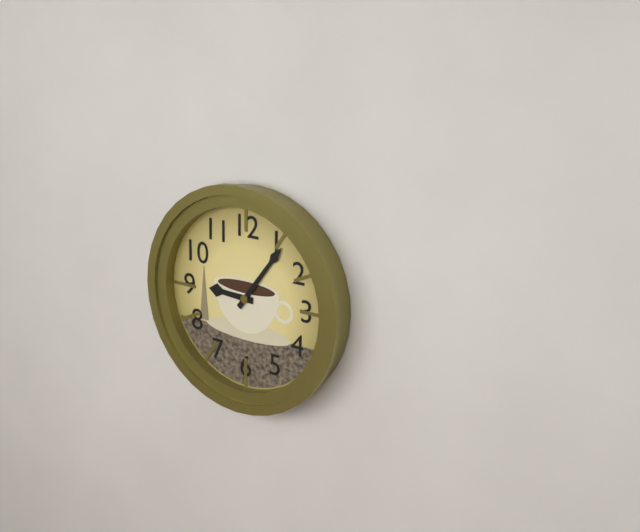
9:06
